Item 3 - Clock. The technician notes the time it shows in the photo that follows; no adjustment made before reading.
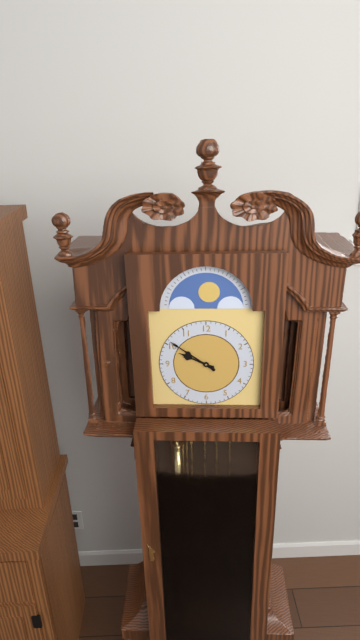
9:51
